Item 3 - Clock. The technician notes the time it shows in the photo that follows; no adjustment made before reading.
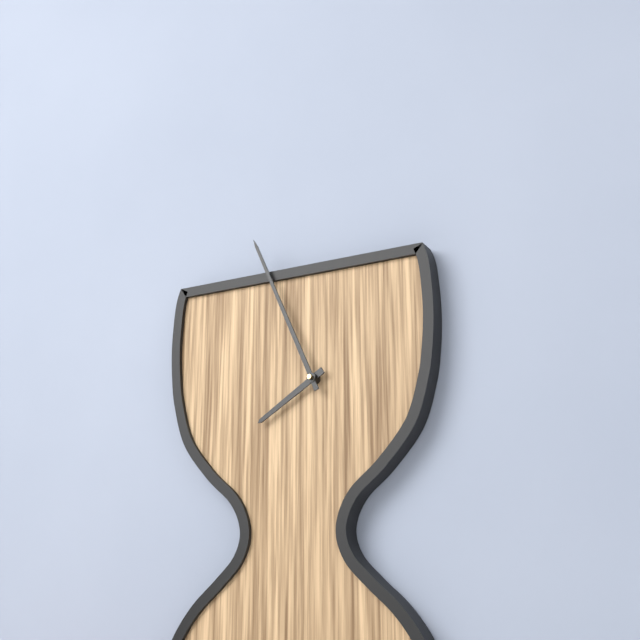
7:56
